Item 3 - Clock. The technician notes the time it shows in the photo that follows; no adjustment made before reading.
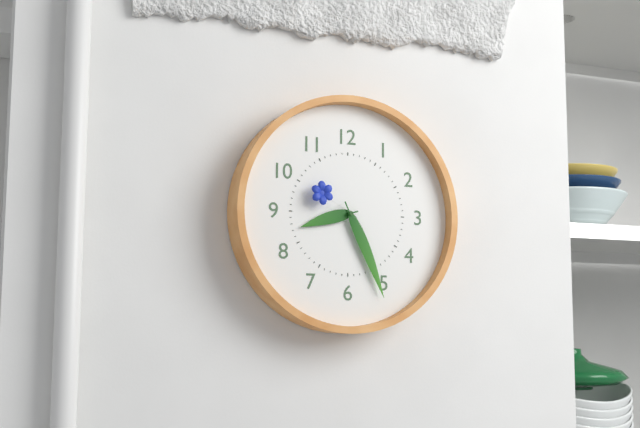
8:26:50
